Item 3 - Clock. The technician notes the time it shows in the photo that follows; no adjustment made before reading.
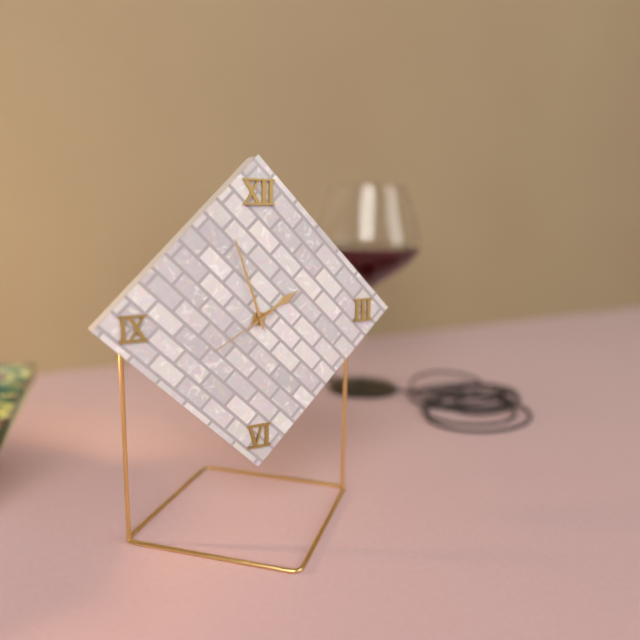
1:57:40
